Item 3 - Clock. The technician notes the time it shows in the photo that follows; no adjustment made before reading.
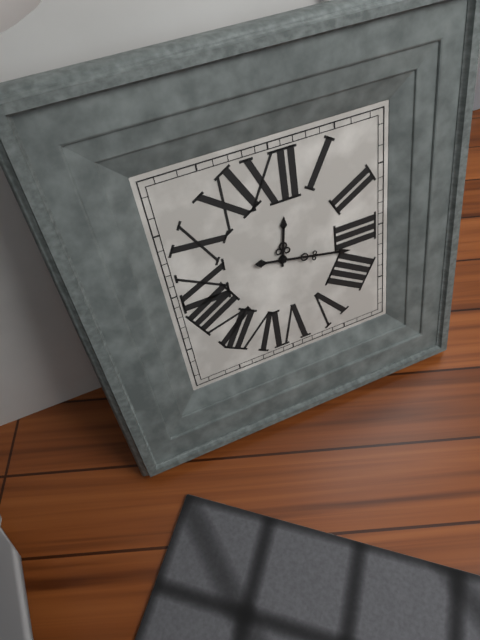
12:17
